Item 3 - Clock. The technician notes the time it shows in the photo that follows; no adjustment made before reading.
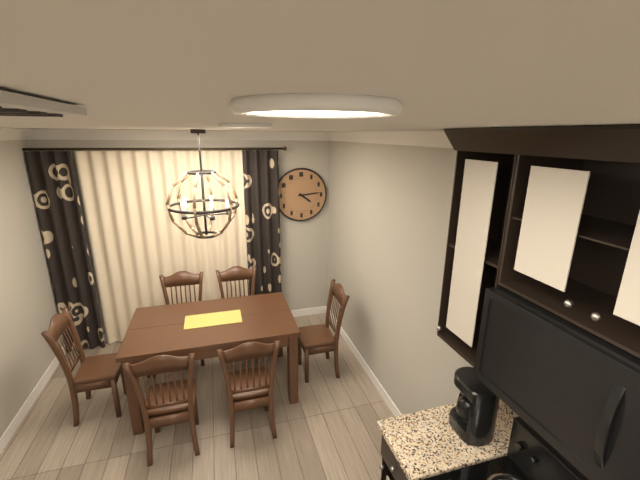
4:14
